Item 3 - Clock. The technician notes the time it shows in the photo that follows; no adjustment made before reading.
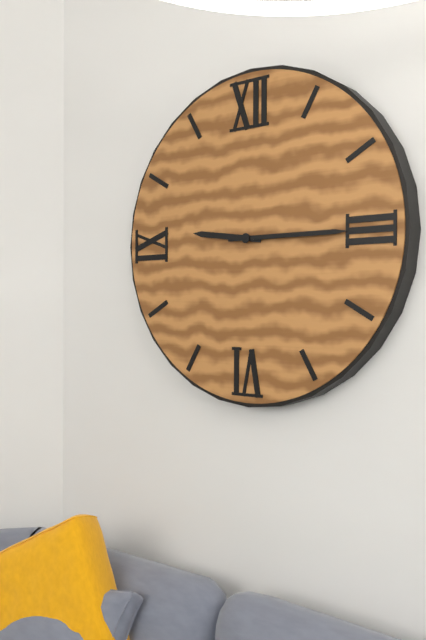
9:15
